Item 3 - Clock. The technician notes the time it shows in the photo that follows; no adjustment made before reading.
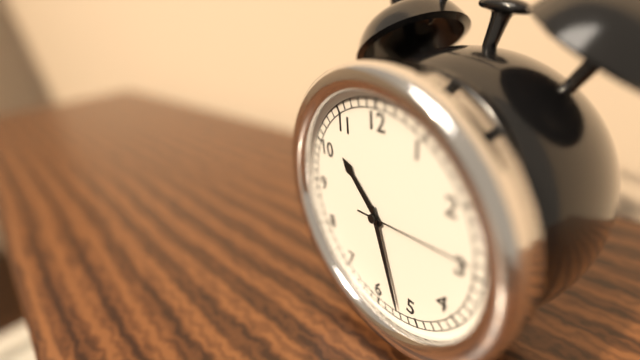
10:27:14
